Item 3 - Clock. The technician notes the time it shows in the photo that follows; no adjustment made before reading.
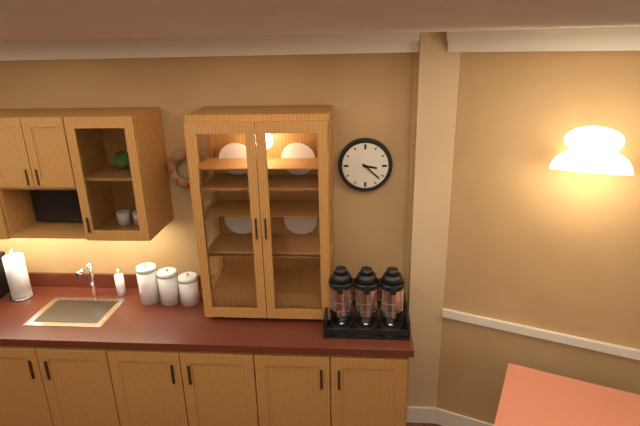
3:22
